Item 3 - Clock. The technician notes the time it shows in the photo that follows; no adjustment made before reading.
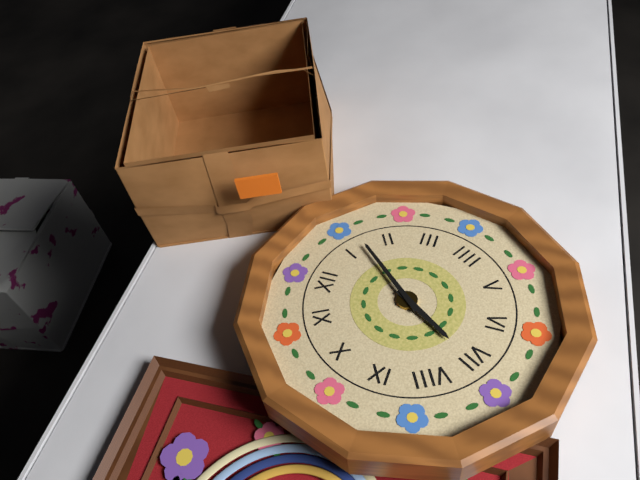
7:07
